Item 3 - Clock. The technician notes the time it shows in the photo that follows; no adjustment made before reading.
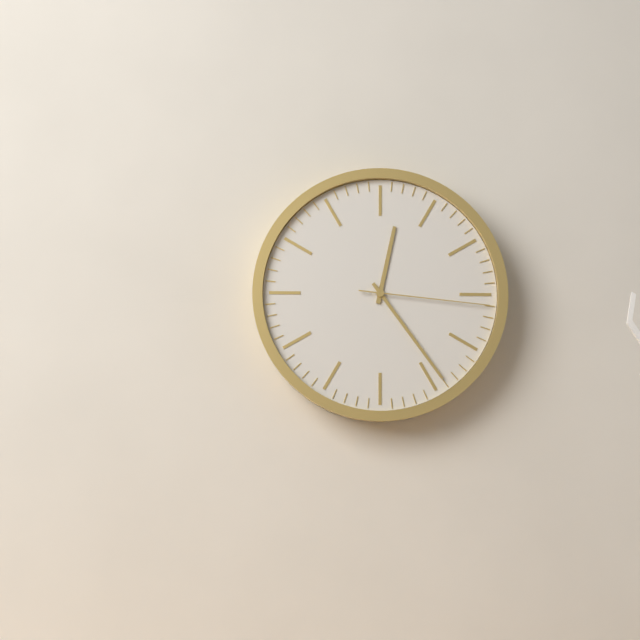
12:24:16
